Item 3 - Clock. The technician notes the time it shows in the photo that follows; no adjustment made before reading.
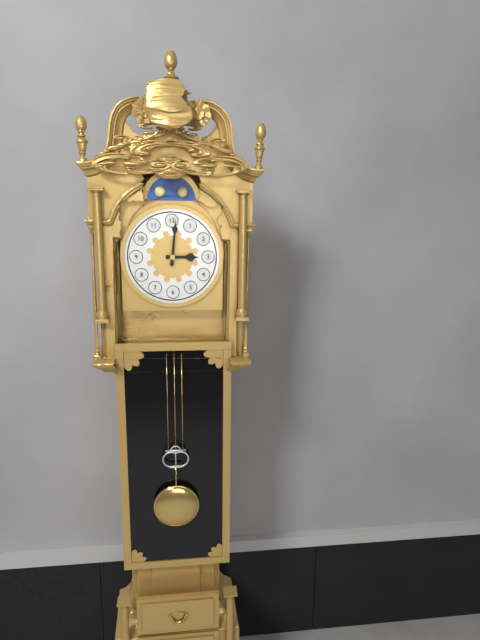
3:01
